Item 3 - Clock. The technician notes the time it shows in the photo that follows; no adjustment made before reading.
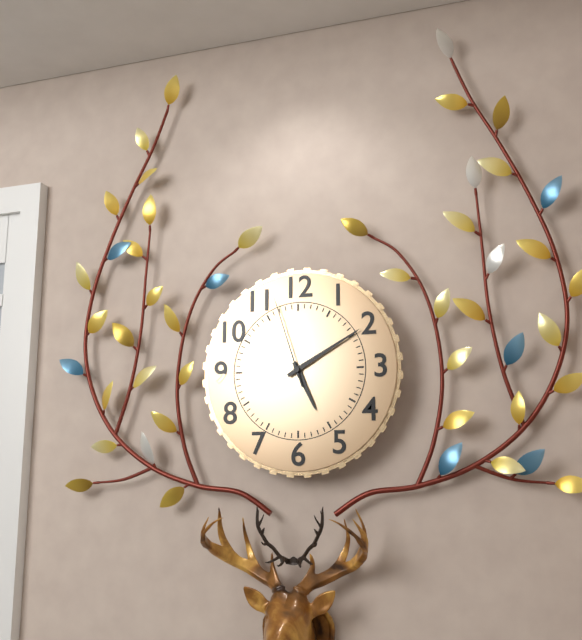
5:10:57
